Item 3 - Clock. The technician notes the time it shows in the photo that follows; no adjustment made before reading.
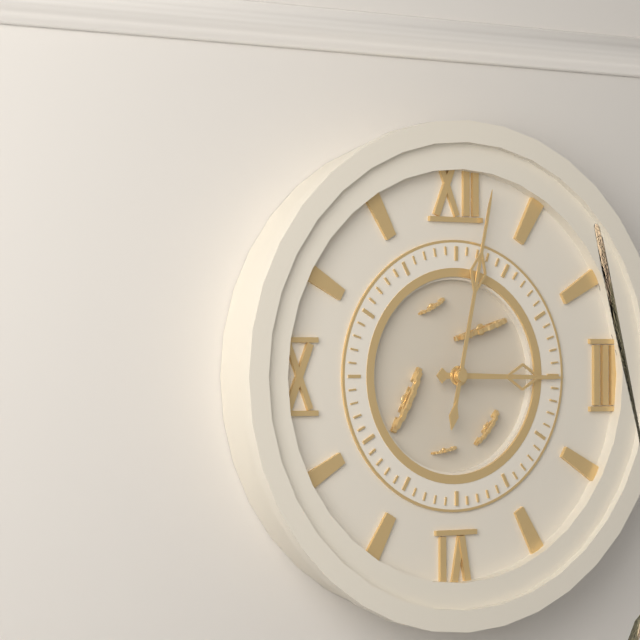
3:02
